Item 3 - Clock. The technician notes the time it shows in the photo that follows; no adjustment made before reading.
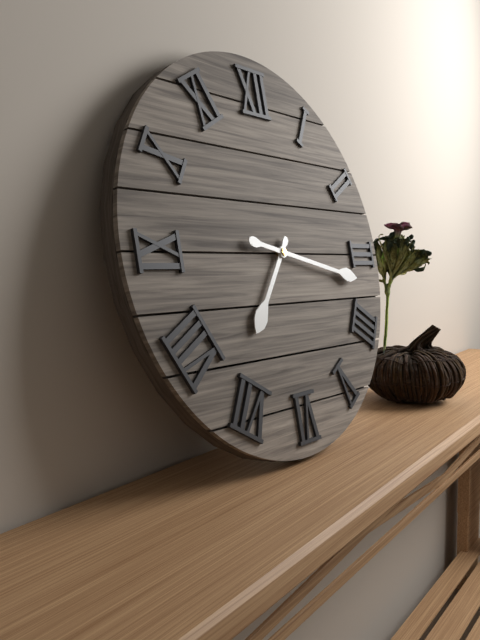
7:17
